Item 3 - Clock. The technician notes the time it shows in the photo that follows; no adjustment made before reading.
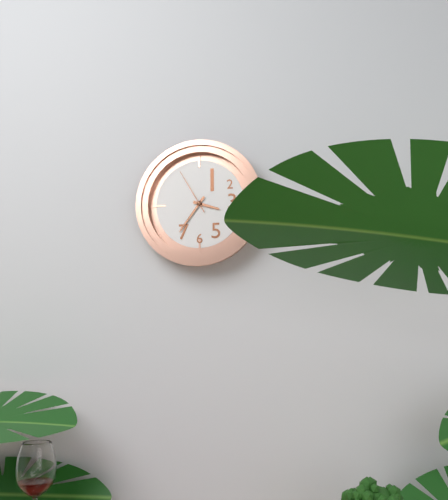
3:36
